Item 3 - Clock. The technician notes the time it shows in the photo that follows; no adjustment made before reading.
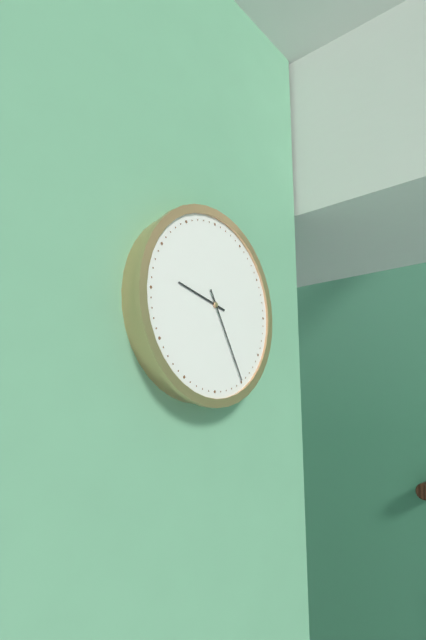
9:25
